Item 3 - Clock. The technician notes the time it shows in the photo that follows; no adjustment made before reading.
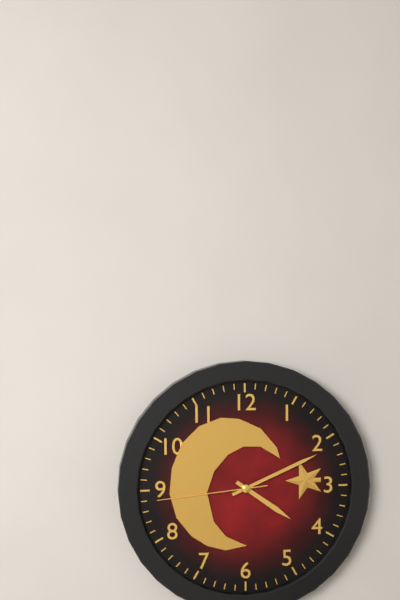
4:11:44
